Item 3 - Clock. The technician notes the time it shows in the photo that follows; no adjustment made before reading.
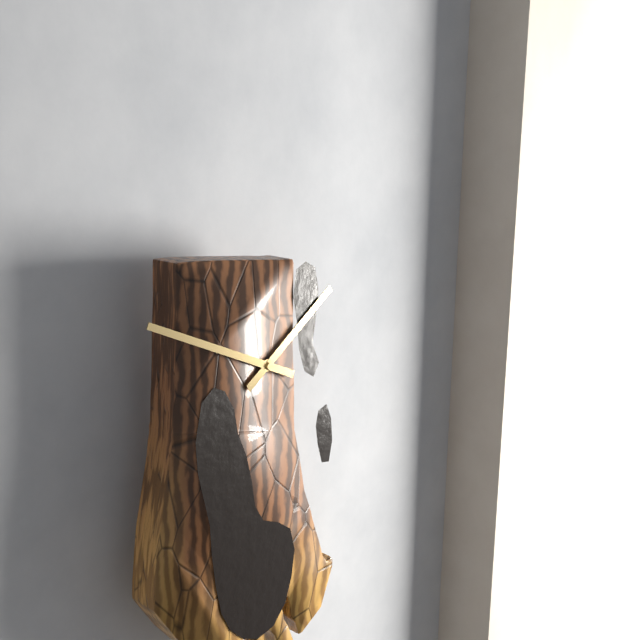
1:49
